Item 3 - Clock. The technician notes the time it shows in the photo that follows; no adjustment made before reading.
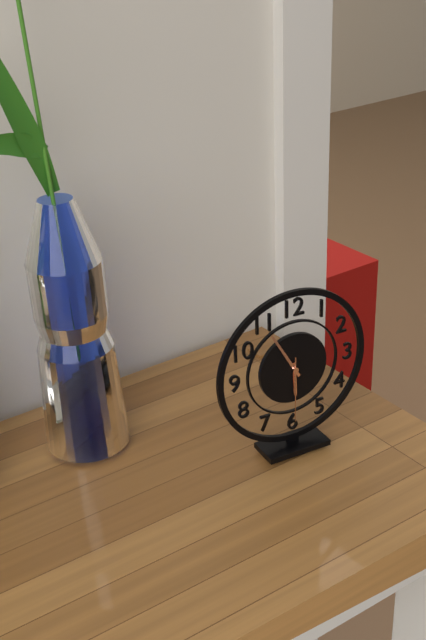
5:55:30
